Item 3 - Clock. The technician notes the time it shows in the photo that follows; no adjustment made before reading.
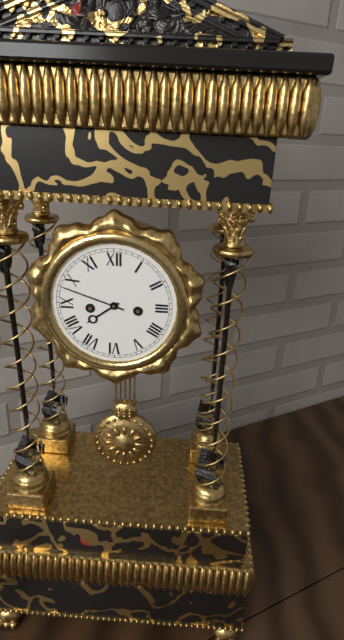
7:48
